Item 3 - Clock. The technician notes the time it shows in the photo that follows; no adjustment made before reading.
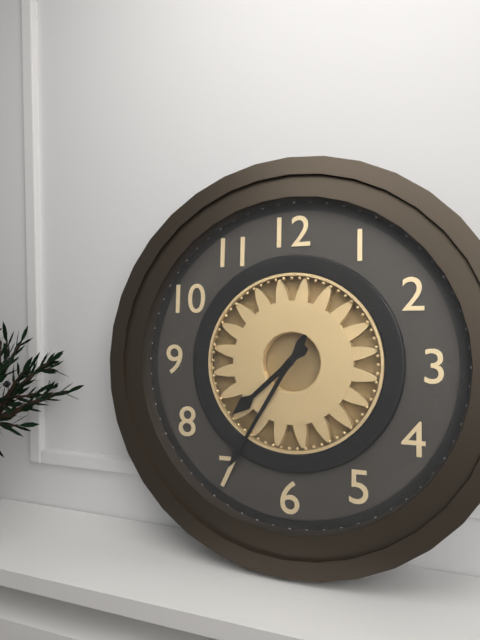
7:35
